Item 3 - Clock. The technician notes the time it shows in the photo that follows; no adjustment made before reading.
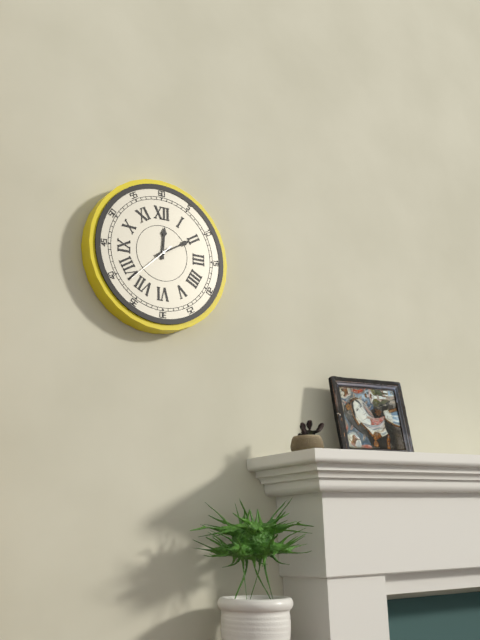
12:10
